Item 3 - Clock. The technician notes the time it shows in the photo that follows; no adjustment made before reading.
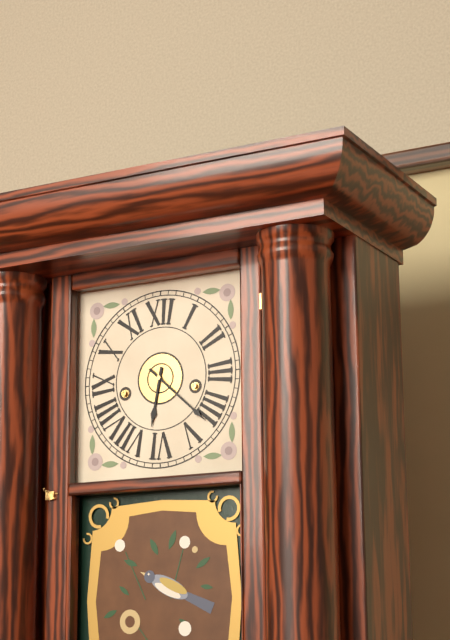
6:22
